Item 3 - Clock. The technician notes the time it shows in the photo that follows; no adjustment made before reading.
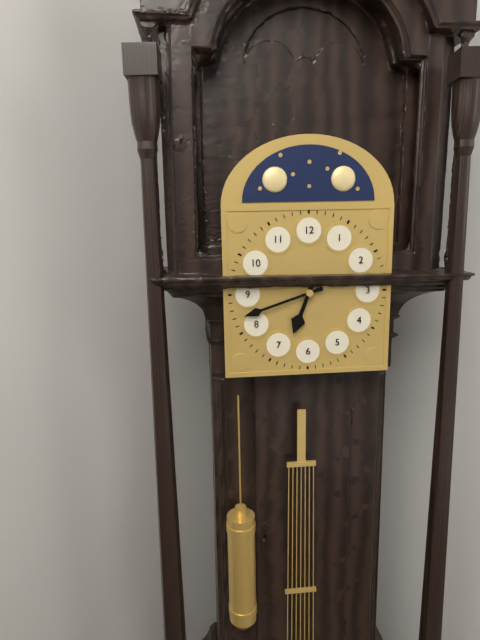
6:42
